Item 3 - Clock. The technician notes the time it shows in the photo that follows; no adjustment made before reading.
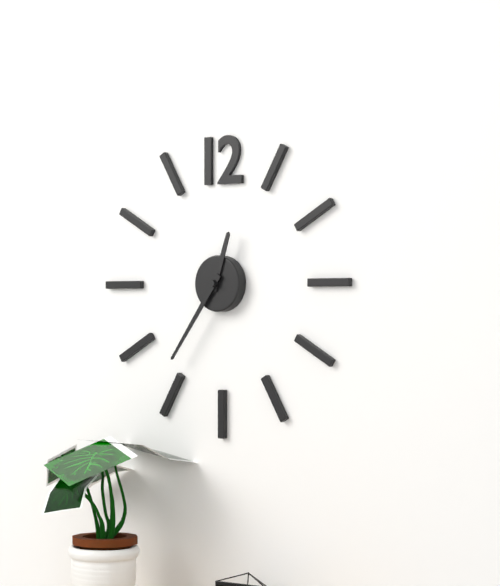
12:36
